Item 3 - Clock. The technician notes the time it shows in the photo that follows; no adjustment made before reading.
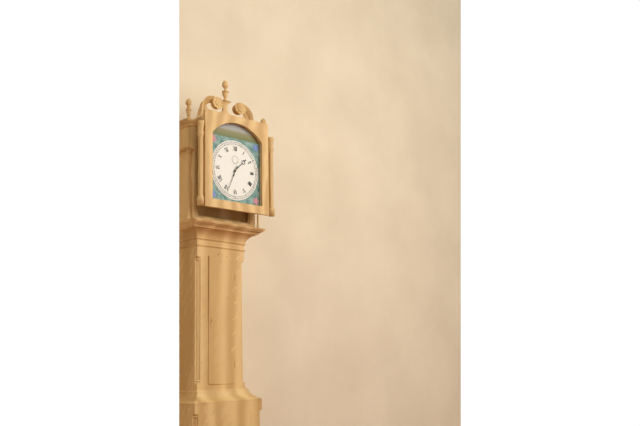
1:34
